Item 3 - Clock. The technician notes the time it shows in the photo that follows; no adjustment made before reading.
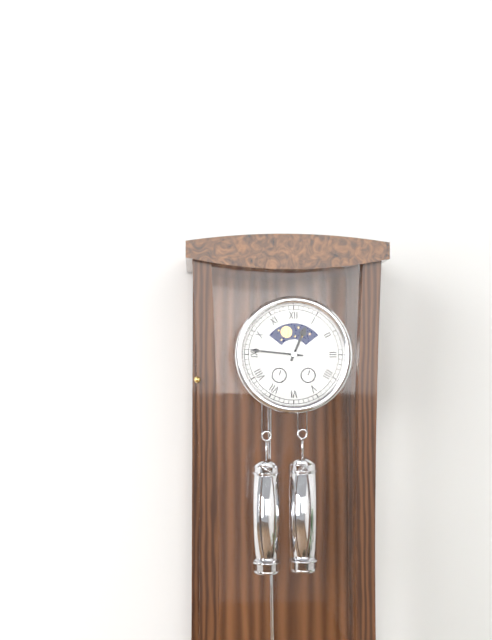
12:46
